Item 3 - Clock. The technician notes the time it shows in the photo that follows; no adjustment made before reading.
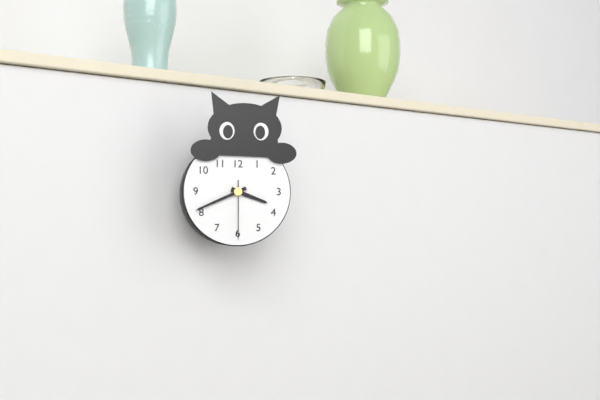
3:41:30
